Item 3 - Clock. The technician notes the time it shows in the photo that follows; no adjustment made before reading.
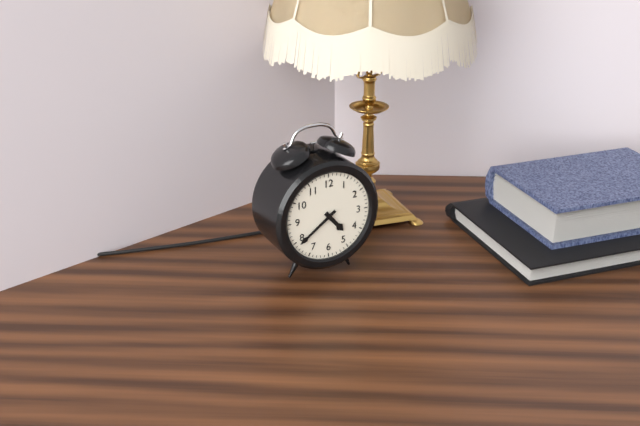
4:39
